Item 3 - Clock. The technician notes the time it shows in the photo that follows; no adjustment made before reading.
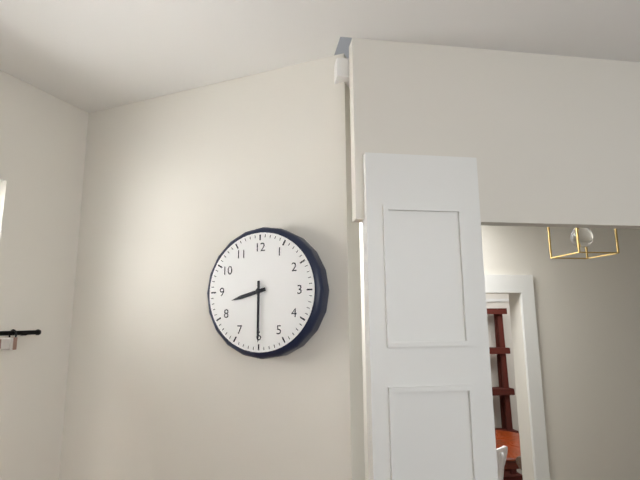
8:30
